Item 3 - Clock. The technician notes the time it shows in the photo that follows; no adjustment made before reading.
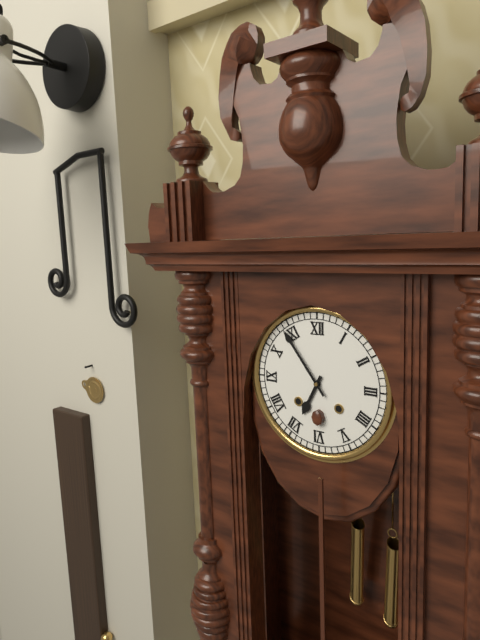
6:54
